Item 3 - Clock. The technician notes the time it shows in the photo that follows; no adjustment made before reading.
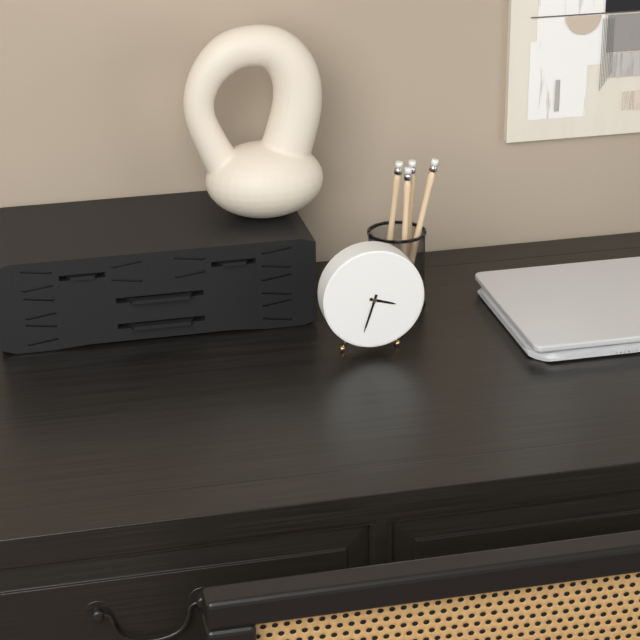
3:33
